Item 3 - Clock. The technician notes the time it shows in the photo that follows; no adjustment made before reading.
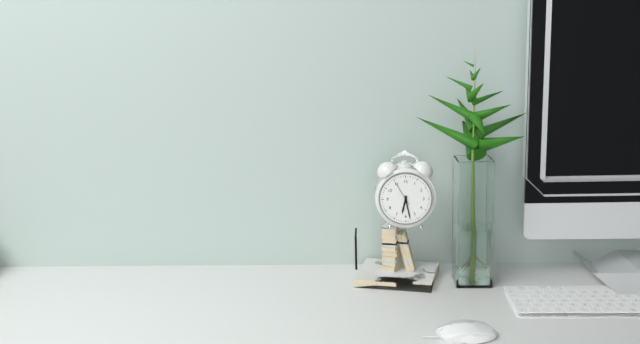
6:28
